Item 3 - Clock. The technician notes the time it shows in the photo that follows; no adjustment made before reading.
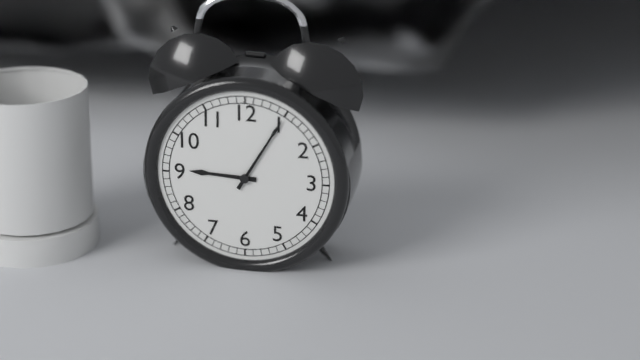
9:05
